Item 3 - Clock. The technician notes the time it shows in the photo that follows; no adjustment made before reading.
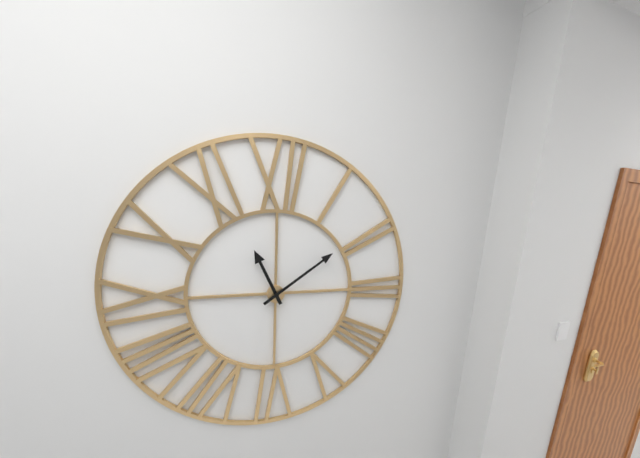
11:09
